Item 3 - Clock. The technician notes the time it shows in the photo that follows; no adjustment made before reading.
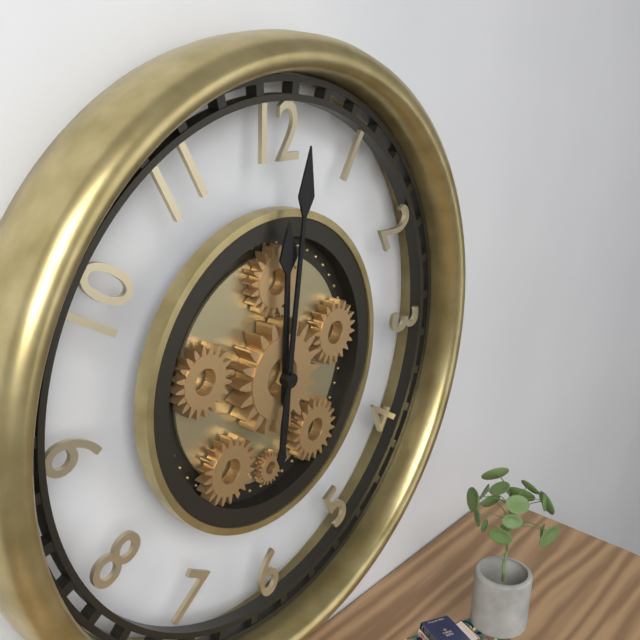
12:01
